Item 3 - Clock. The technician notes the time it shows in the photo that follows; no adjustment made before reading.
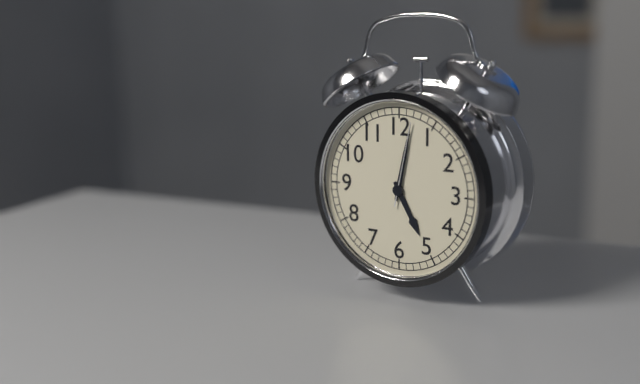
5:02:02
